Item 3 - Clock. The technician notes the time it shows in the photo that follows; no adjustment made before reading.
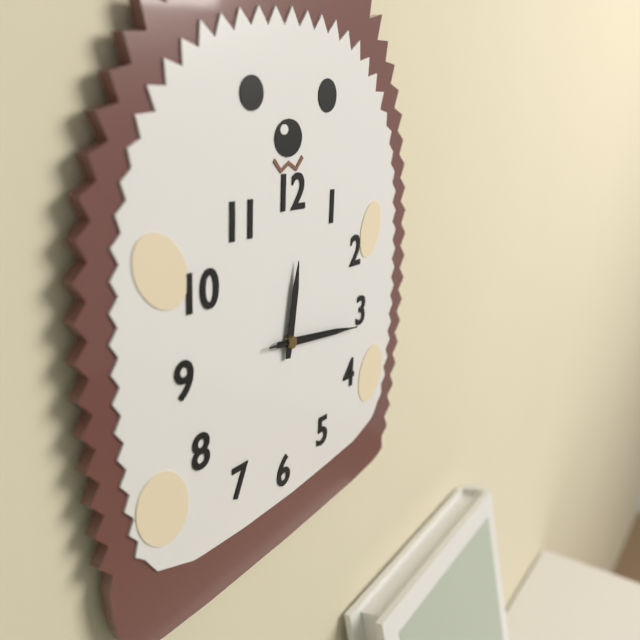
12:16:16
